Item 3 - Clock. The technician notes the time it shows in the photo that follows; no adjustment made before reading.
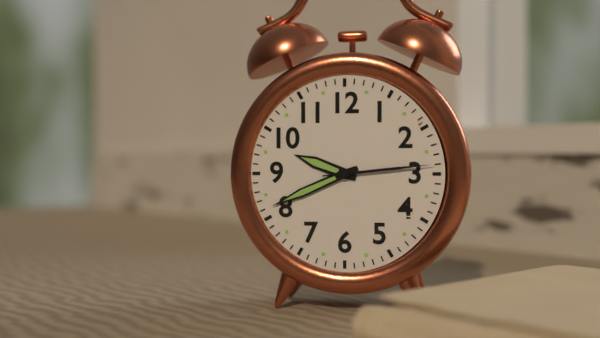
9:41:14
